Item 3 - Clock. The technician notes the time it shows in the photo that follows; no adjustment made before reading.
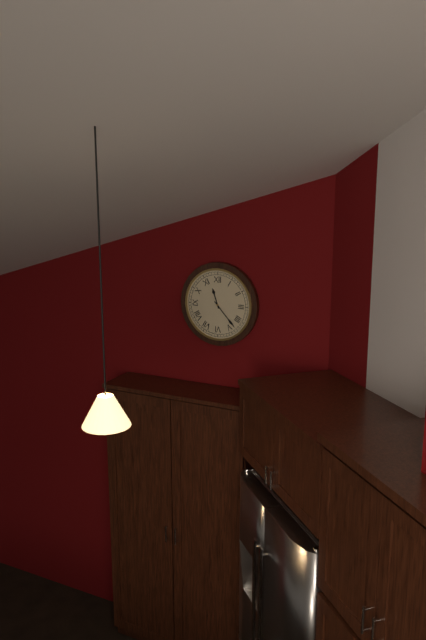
11:23
